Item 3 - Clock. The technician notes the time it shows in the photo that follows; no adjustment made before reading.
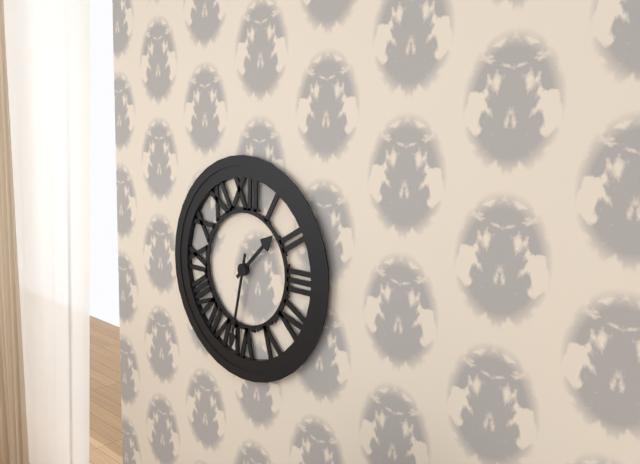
1:32
